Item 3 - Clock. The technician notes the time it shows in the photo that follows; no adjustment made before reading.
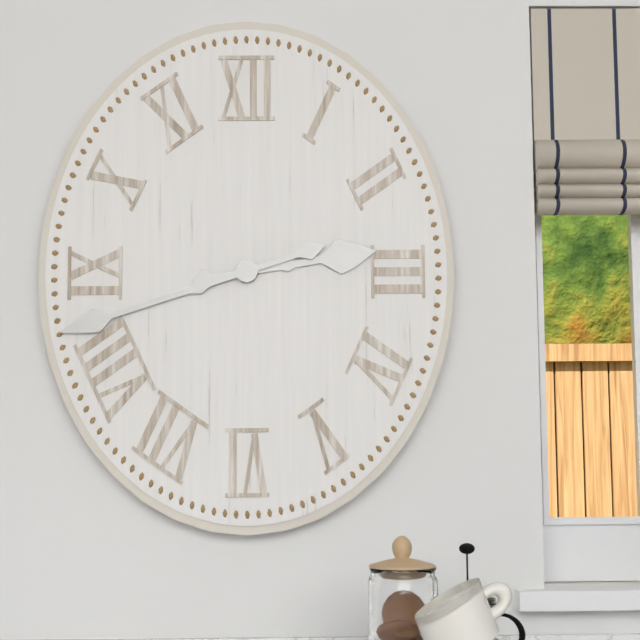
2:42
